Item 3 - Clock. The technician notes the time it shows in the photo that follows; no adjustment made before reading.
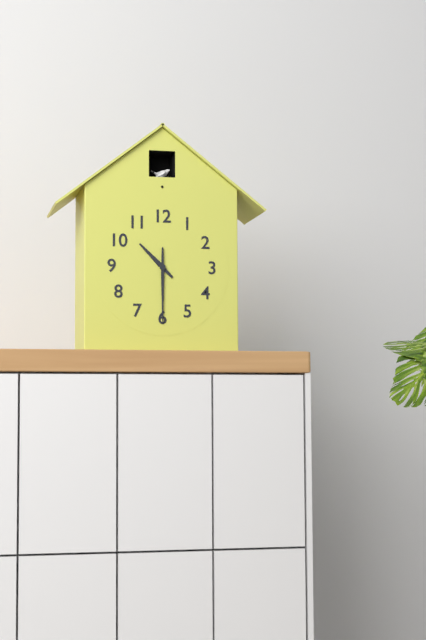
10:30
